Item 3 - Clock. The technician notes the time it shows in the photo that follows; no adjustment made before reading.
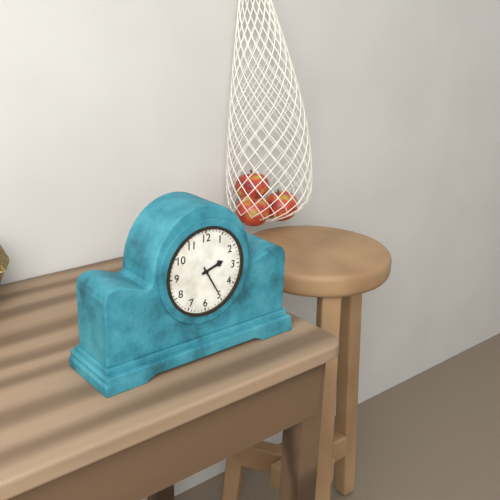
2:25
